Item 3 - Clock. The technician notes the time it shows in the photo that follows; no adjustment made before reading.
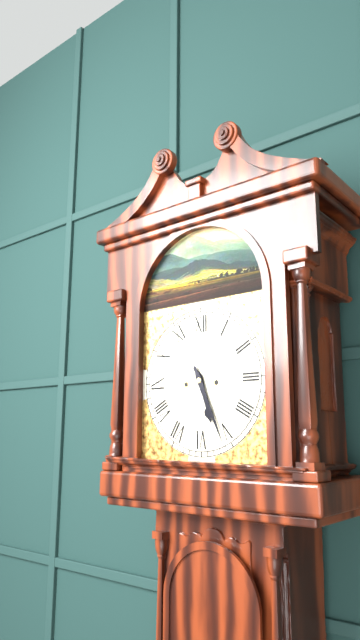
5:26
